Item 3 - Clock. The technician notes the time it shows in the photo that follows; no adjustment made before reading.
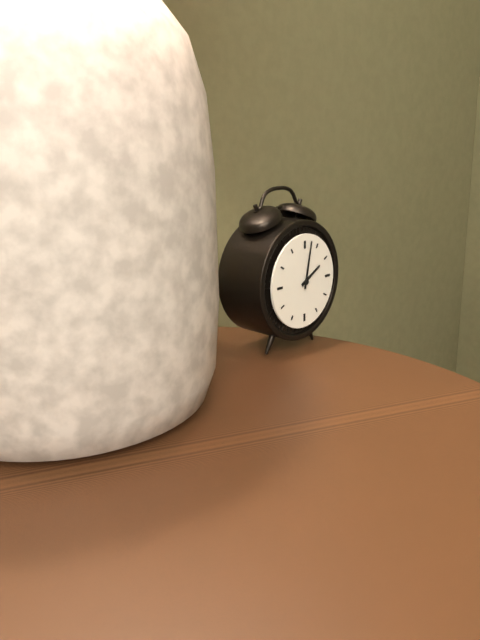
2:02
